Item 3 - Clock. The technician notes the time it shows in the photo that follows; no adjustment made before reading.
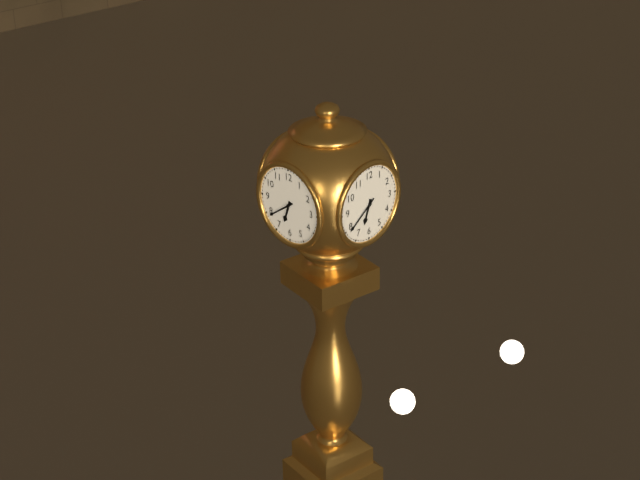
6:39
